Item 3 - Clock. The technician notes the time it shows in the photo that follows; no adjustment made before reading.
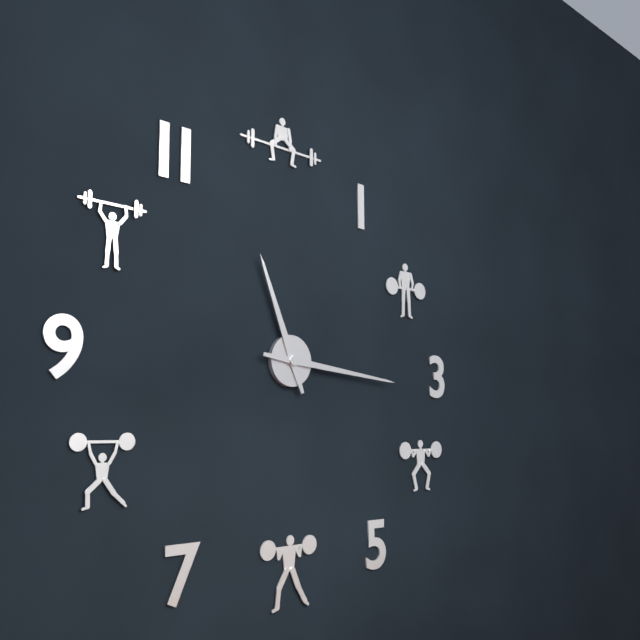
11:16
